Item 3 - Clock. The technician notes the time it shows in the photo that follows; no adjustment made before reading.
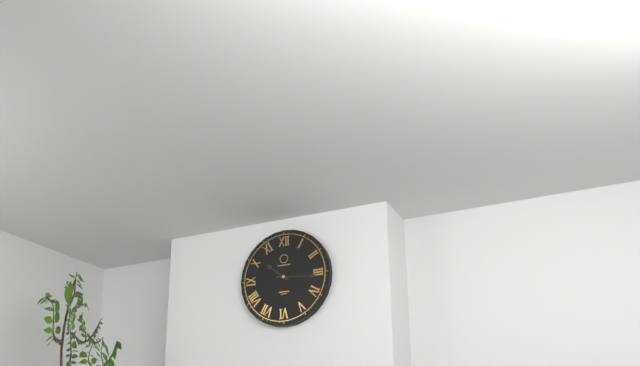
10:16
